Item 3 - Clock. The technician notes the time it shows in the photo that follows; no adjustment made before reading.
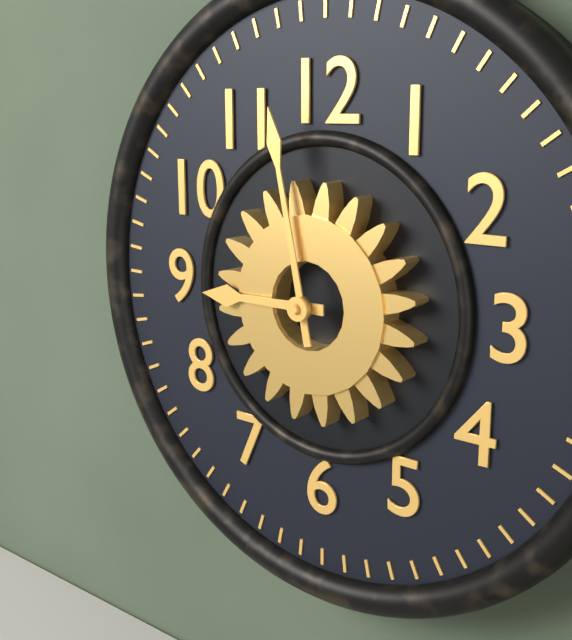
8:58
